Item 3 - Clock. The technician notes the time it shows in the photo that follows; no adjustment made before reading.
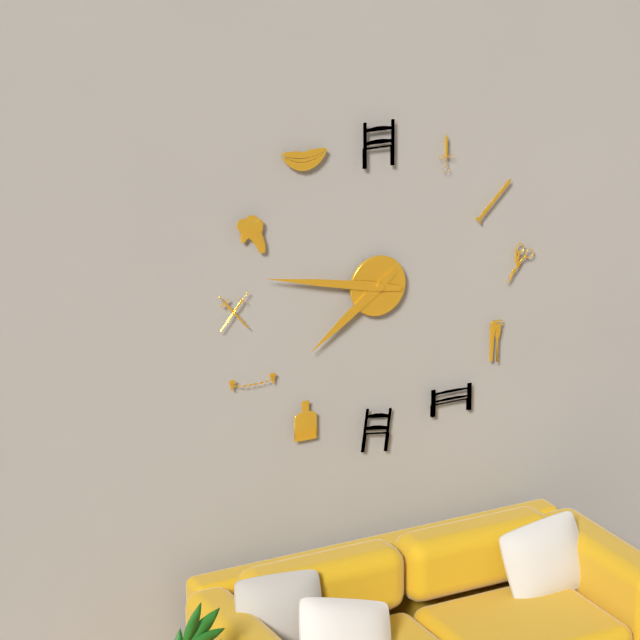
7:47
